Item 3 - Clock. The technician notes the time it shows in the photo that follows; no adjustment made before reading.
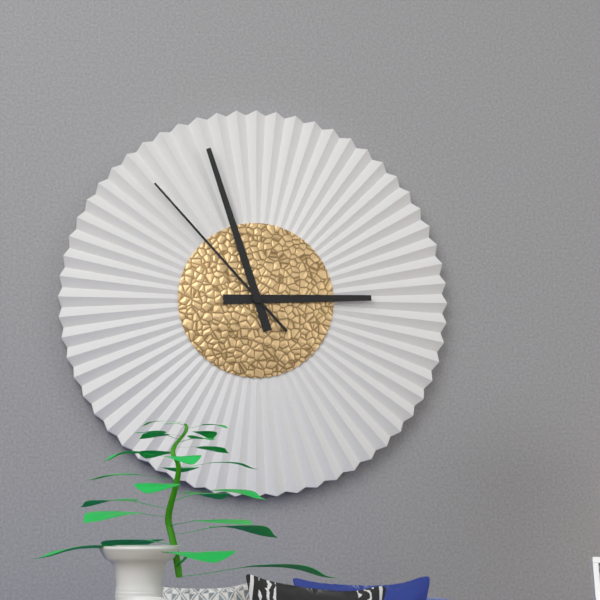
2:57:53
